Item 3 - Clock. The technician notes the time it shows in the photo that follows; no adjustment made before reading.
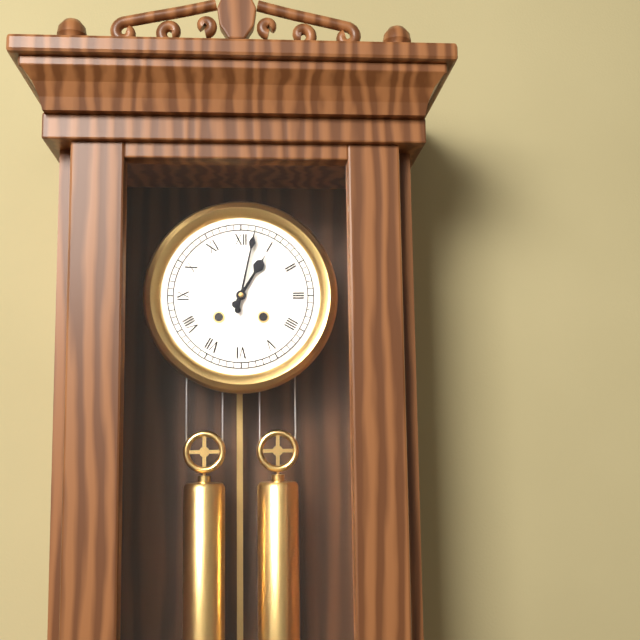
1:02
